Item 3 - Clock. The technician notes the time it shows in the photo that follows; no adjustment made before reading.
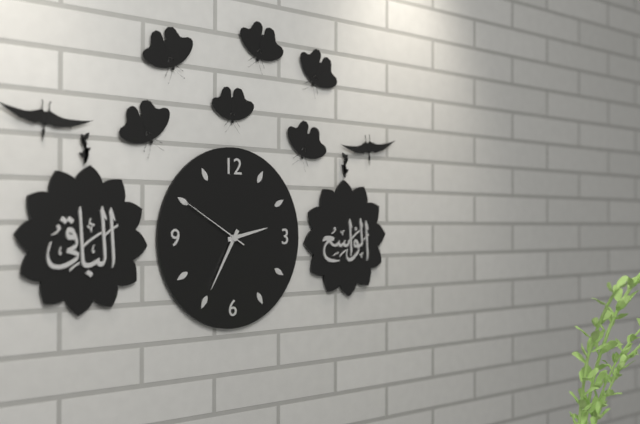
2:35:50
